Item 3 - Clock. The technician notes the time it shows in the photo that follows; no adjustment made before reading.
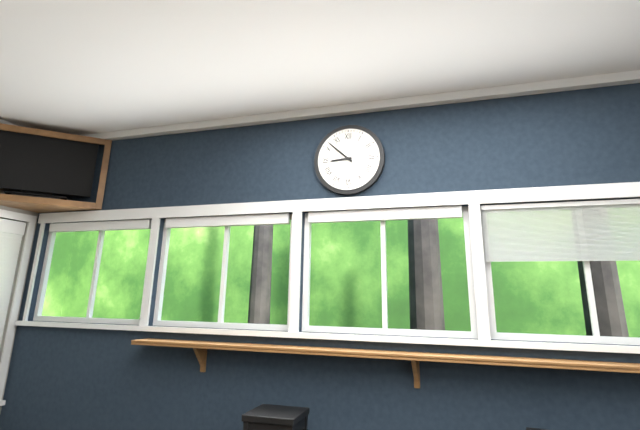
8:52
